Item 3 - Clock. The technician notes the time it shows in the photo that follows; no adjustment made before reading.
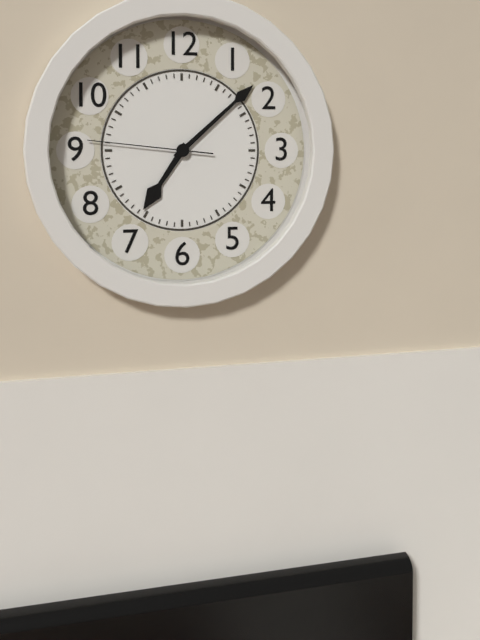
7:08:46
